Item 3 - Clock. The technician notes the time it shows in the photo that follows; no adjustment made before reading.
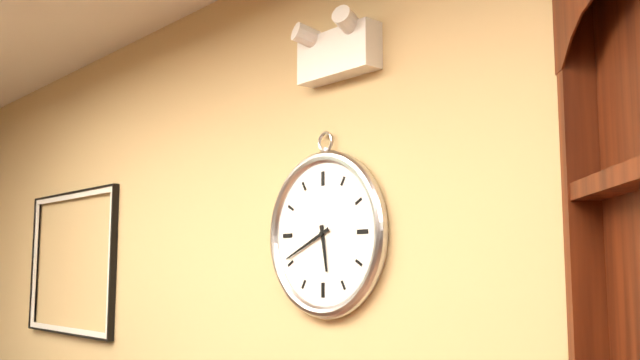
5:41
